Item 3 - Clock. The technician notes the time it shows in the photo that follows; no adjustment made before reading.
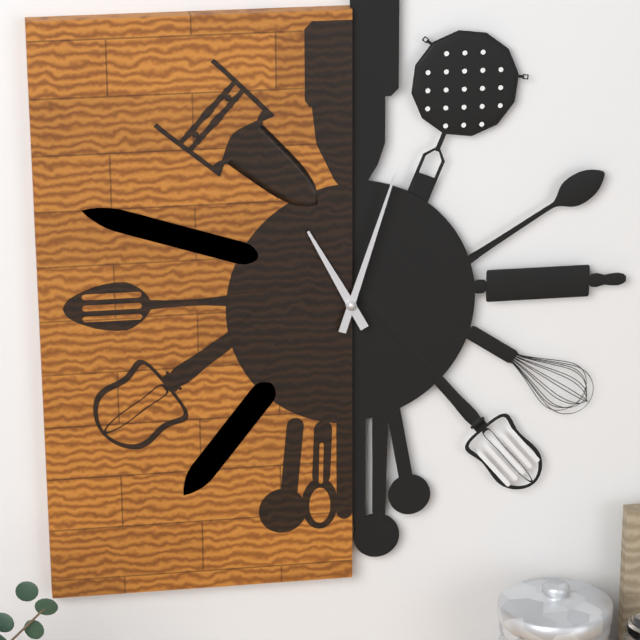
11:03
